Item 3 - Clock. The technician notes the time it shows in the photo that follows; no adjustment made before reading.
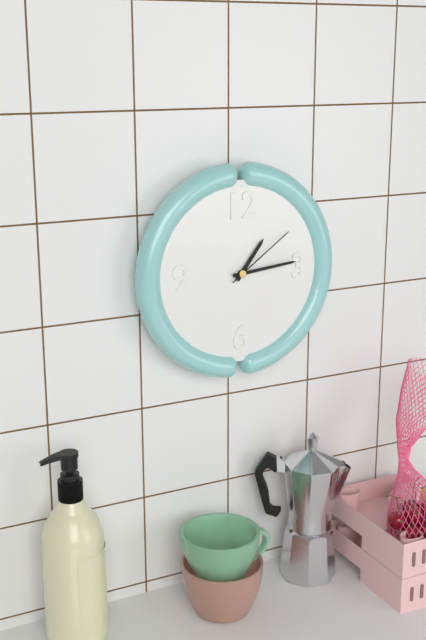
1:14:09
